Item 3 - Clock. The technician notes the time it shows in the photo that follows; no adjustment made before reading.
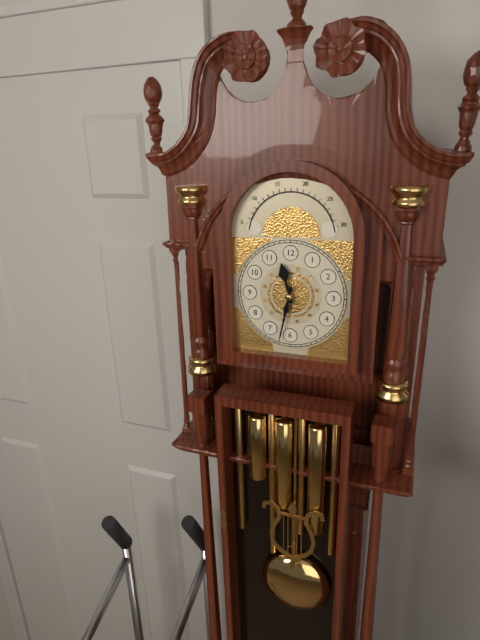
11:32
